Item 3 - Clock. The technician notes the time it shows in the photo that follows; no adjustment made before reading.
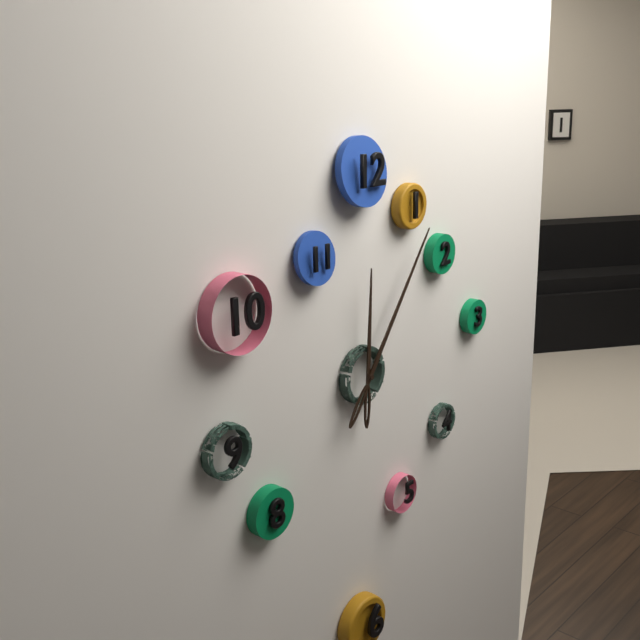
12:06
